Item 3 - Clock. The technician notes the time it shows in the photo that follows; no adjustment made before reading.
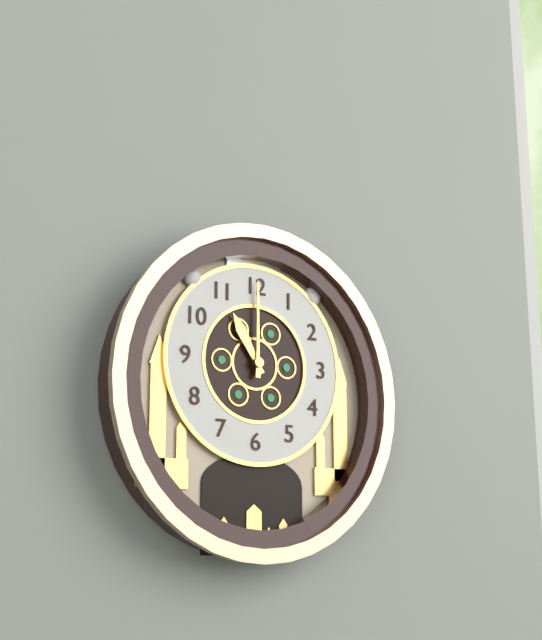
11:00
